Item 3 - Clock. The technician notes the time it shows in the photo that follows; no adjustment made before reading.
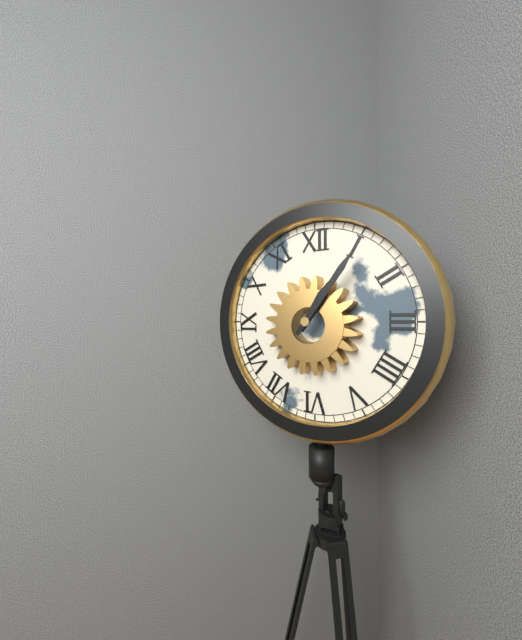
1:06
